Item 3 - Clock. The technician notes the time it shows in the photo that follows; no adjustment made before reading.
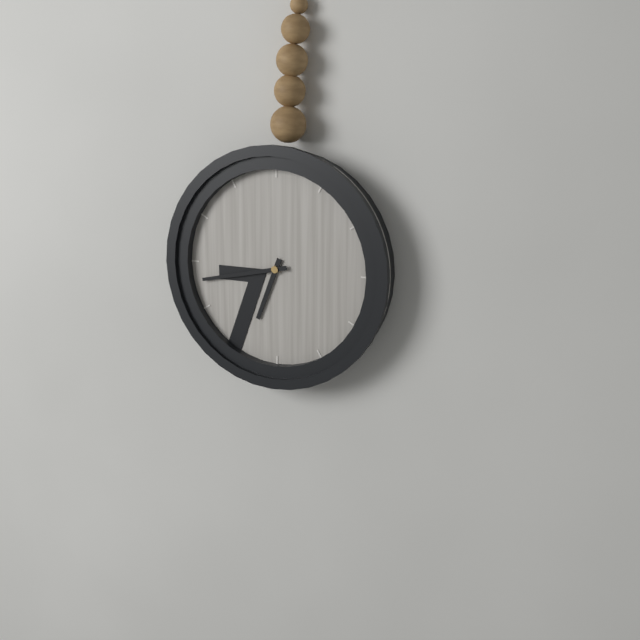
6:43
